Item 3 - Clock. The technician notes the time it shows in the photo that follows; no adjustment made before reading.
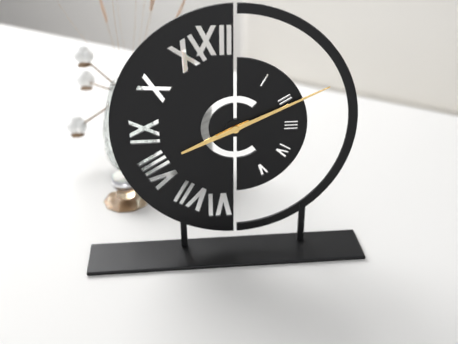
8:11
